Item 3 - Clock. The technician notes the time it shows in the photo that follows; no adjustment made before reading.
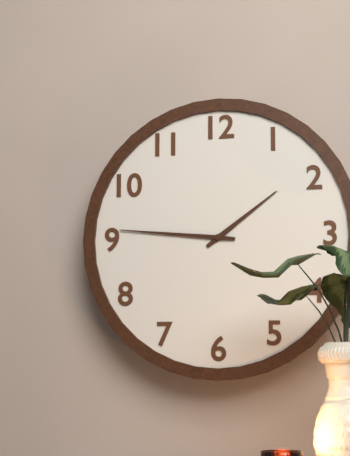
1:46
